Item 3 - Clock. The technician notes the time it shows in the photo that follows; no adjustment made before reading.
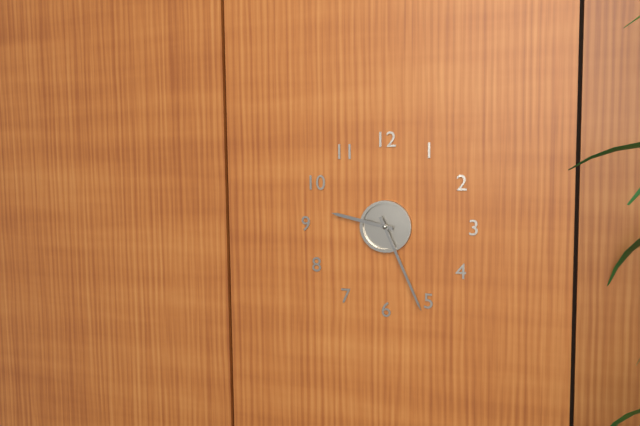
9:26
